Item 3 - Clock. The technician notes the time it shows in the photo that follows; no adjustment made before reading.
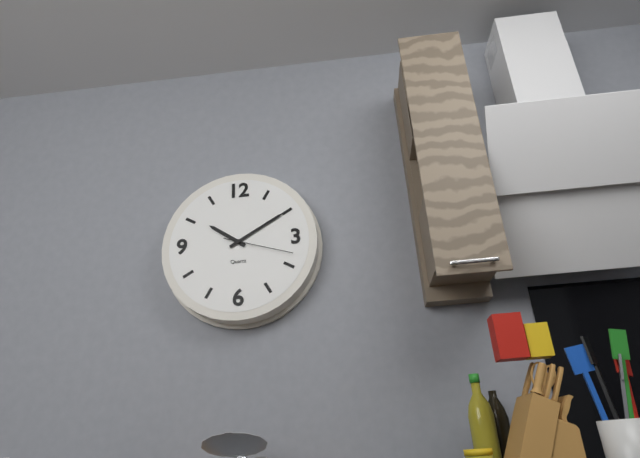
10:10:18
